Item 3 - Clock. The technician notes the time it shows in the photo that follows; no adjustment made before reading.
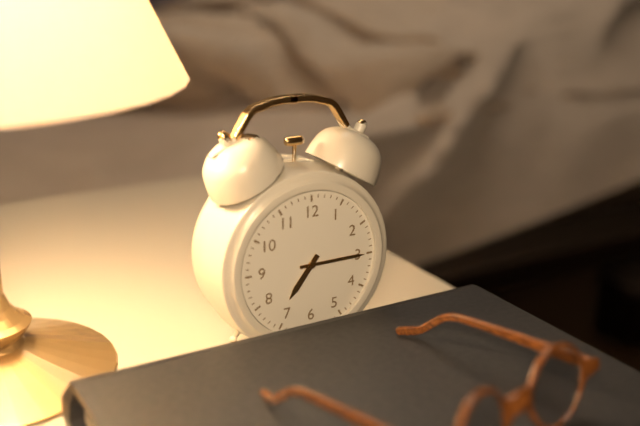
7:15
